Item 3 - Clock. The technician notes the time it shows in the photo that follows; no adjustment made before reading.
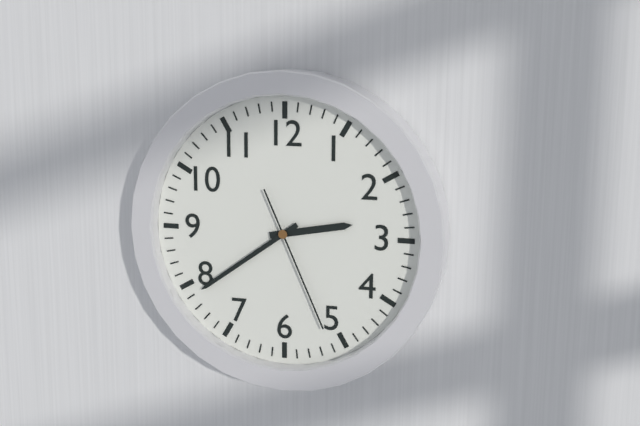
2:39:26
